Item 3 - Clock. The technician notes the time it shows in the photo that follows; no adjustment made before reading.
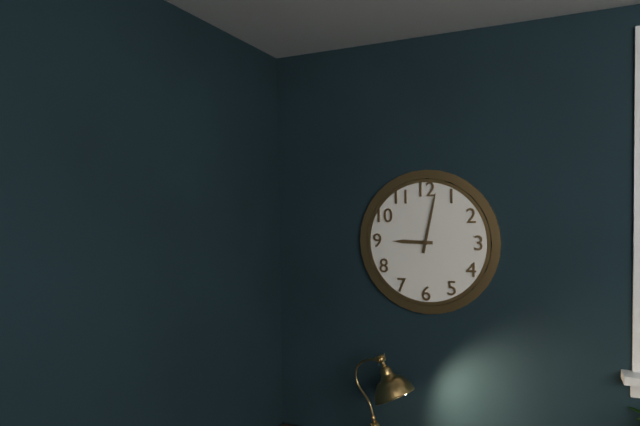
9:02
